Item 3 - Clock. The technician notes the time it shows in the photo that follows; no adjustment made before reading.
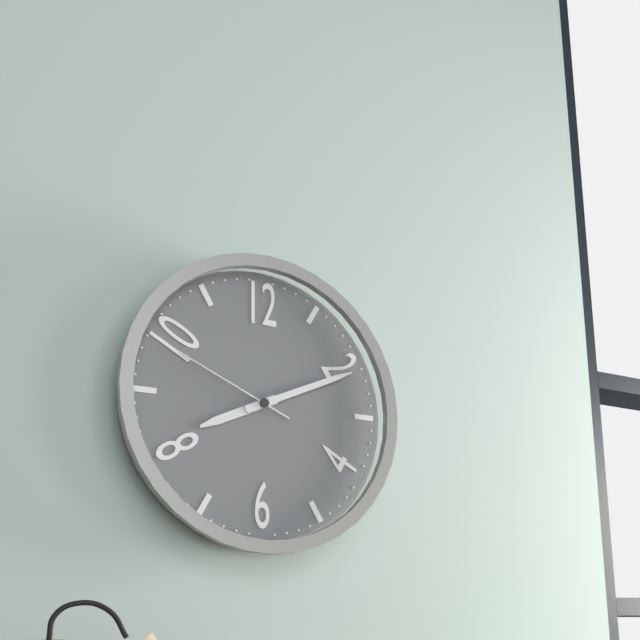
8:11:49
